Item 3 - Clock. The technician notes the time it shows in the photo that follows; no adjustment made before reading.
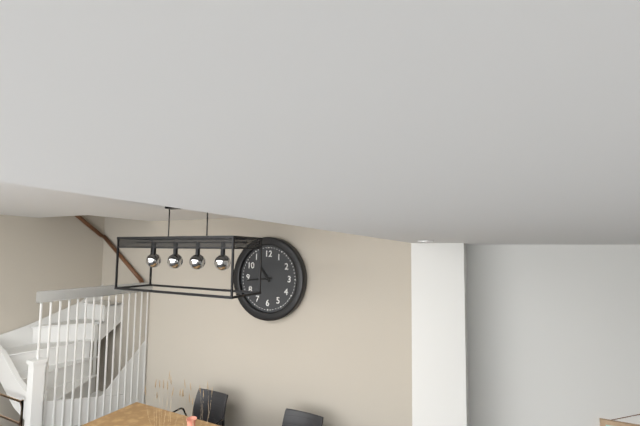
10:44
